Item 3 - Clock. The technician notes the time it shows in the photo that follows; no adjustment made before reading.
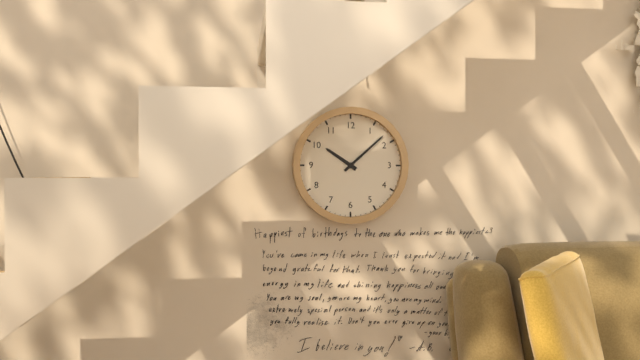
10:08
